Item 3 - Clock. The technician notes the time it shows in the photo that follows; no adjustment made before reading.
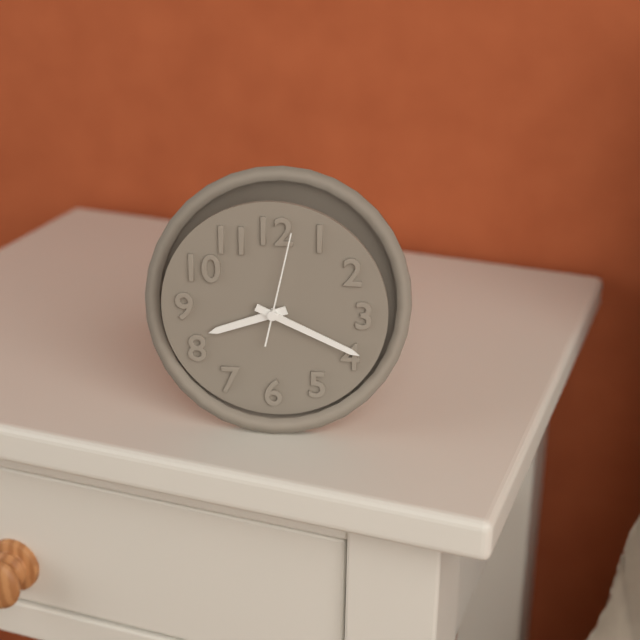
8:19:02
